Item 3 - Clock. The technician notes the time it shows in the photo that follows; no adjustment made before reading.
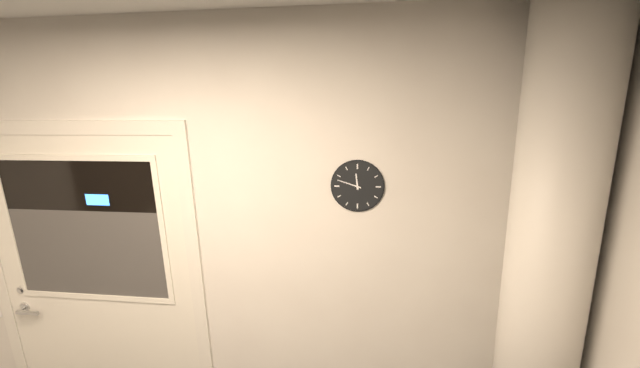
11:48
